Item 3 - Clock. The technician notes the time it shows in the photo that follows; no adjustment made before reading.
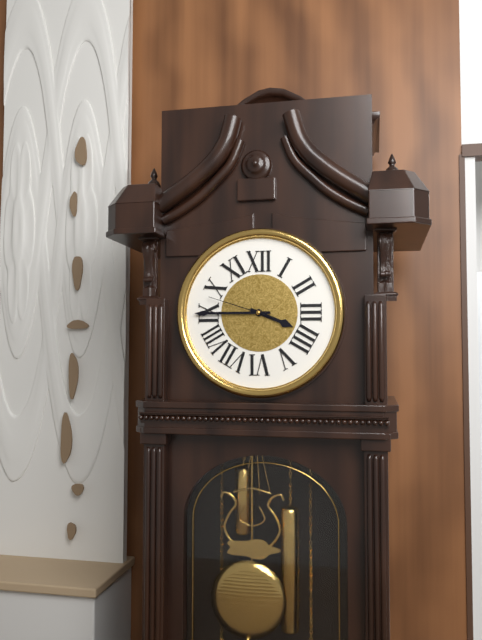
3:45:48
